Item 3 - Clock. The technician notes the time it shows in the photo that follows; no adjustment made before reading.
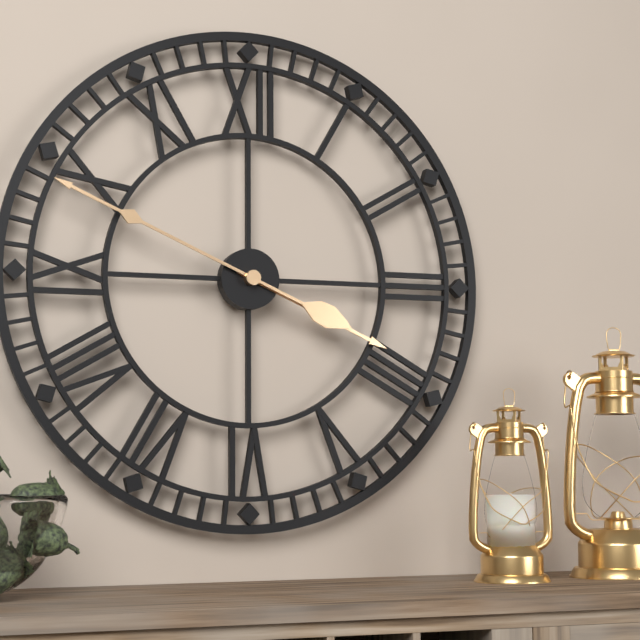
3:49
